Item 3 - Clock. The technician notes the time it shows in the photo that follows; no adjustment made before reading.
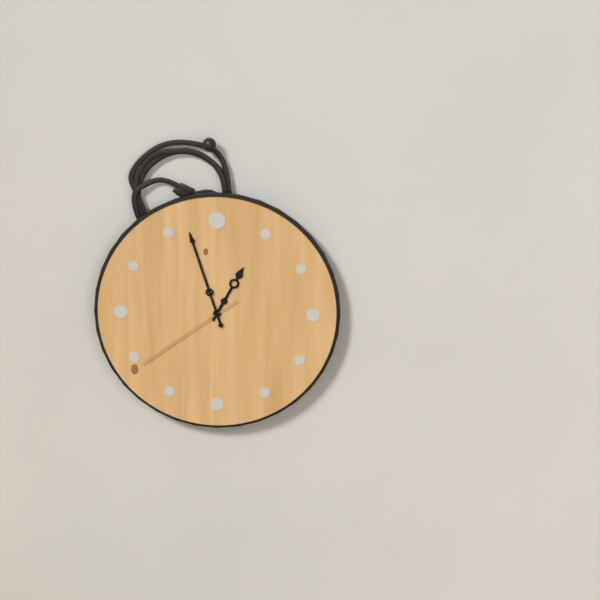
12:57:39
